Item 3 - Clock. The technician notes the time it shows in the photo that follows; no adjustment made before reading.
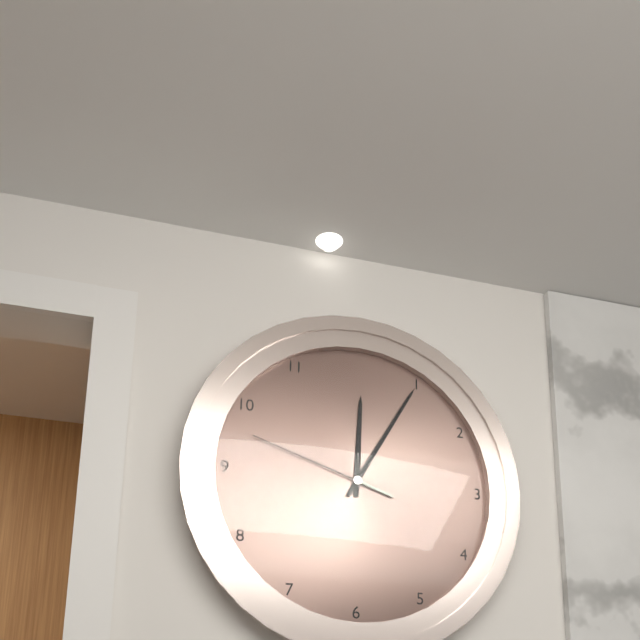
12:05:48
